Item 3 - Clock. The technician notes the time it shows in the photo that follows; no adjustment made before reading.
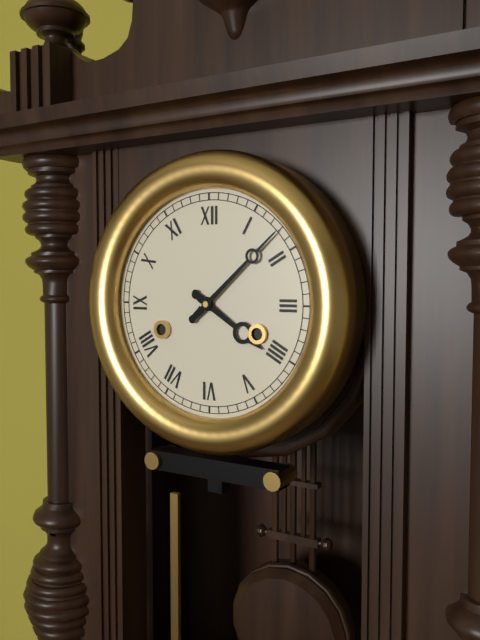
4:08
